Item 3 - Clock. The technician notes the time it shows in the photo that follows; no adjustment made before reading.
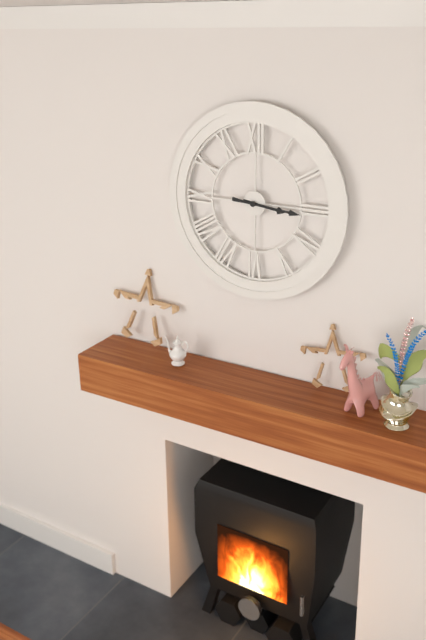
3:16
